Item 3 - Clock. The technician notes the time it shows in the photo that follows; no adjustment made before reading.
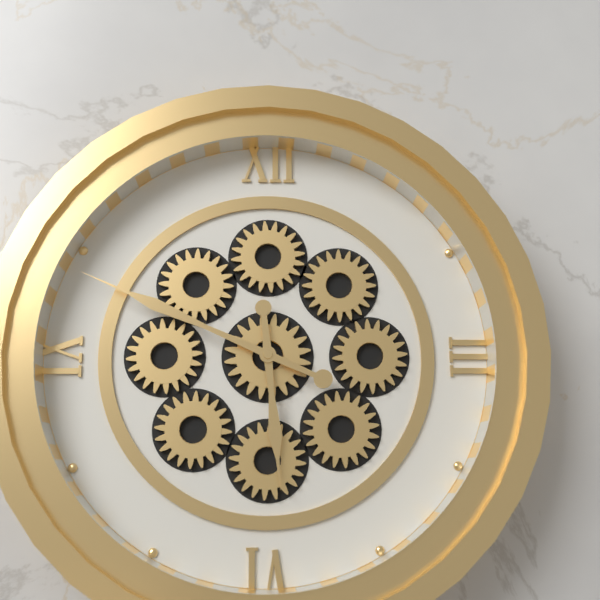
5:49
